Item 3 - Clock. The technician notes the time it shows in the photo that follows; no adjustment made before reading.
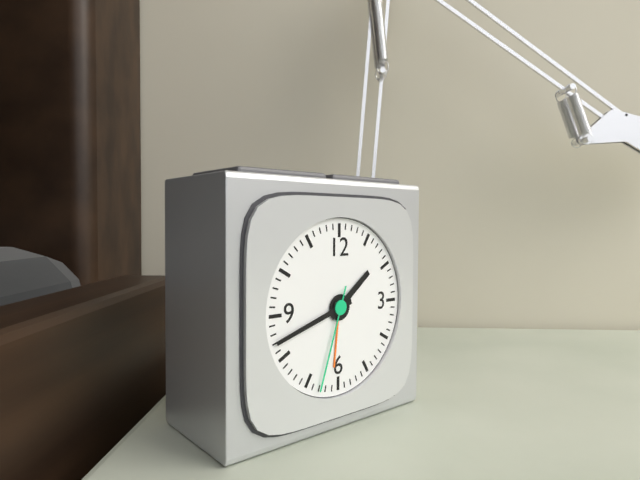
1:42:33
